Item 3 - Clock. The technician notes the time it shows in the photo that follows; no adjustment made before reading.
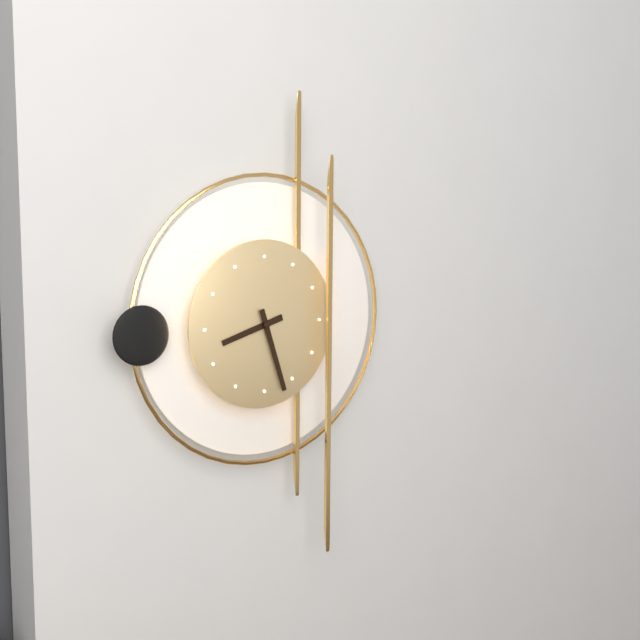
8:27
